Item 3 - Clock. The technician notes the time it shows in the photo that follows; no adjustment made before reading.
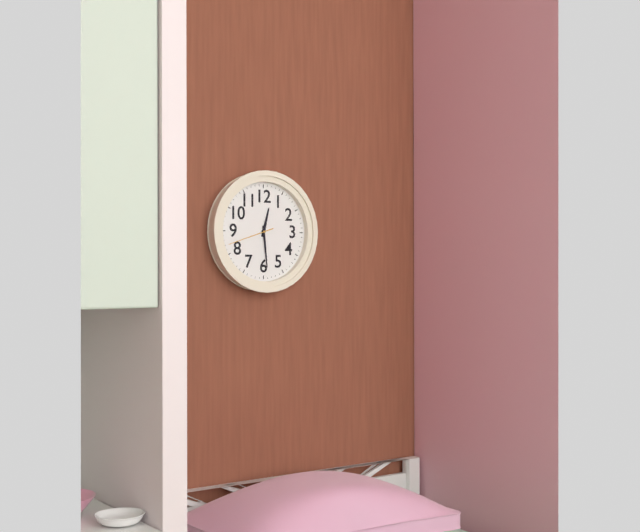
12:29
